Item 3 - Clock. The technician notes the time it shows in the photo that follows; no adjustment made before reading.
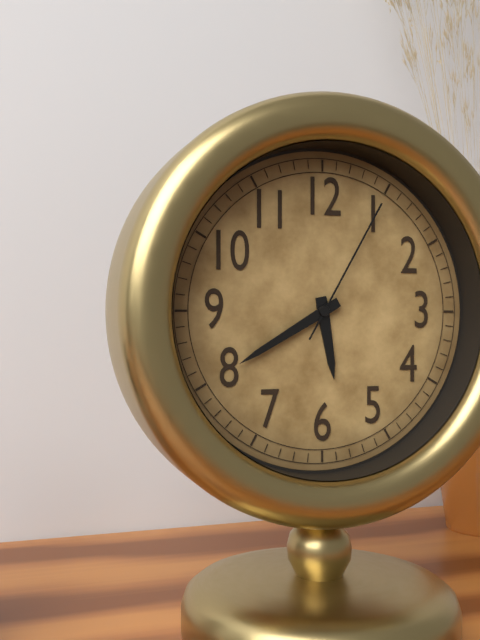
5:40:05
